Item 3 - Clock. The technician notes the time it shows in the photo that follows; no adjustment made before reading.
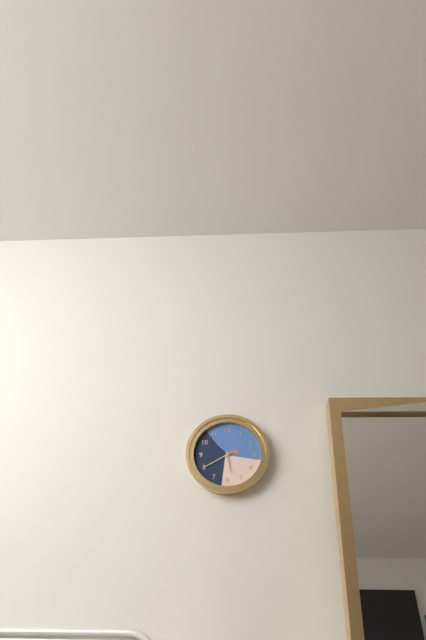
5:40
